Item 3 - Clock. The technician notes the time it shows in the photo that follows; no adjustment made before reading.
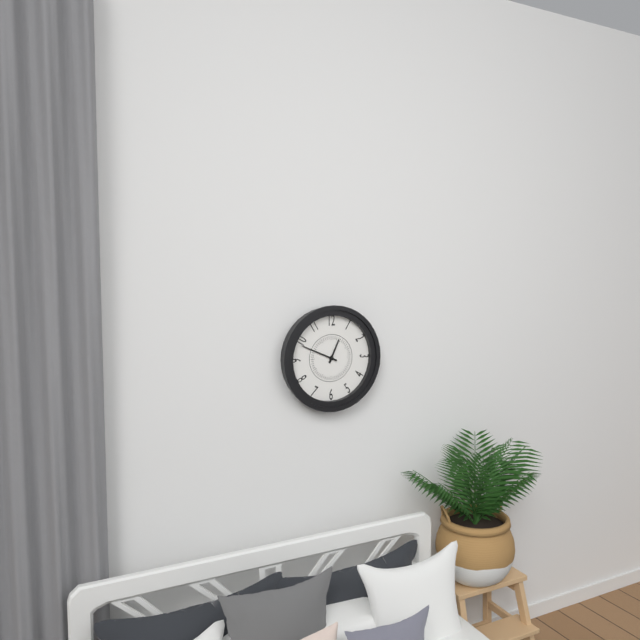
12:49
